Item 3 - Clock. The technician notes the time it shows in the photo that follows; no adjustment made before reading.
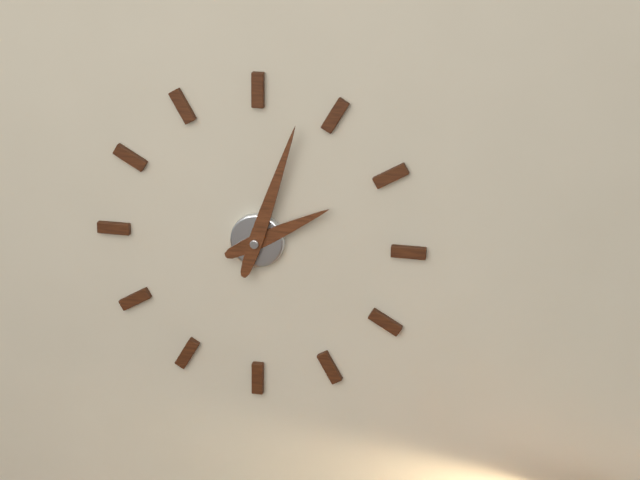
2:03
